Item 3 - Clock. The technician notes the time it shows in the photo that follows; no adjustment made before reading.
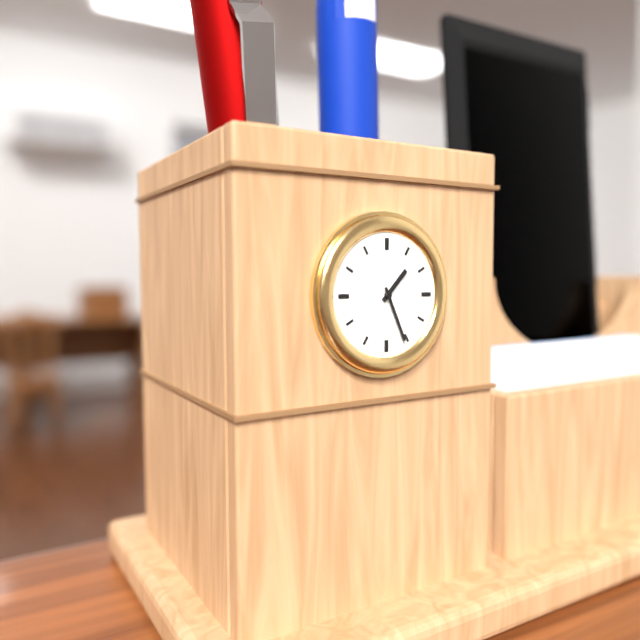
1:26
